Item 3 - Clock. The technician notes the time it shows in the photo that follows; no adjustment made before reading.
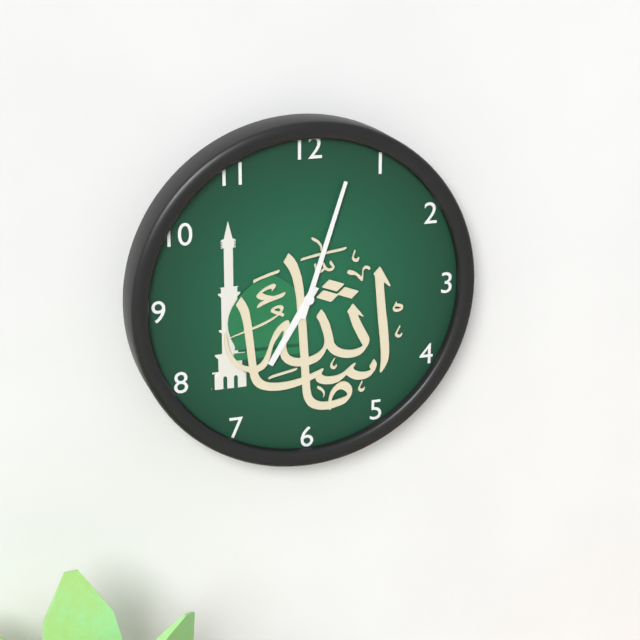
7:03
